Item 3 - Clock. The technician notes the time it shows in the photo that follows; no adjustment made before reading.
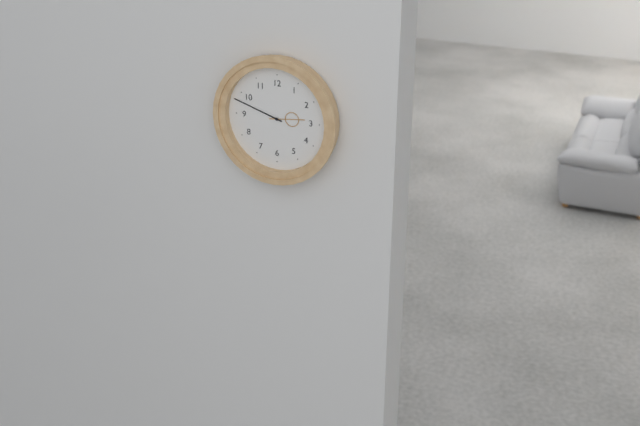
2:48
